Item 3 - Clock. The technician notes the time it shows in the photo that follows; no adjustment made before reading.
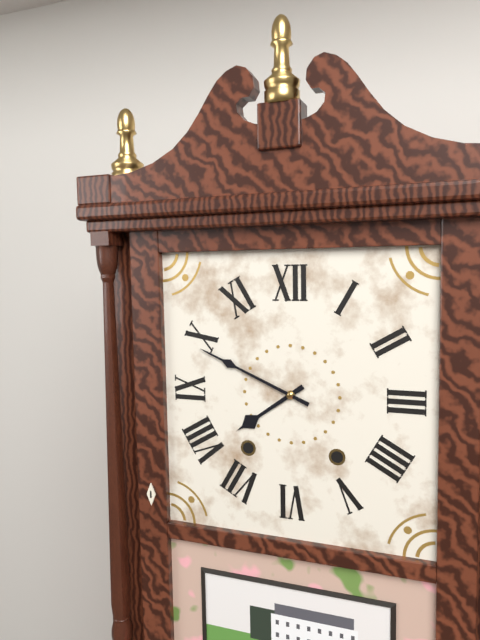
7:49
